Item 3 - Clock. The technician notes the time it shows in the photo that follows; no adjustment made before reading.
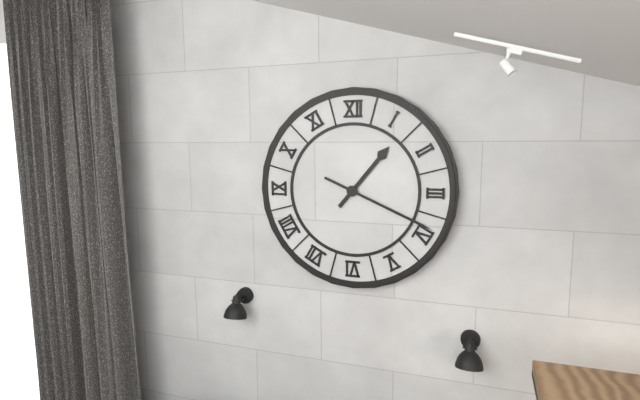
1:19
